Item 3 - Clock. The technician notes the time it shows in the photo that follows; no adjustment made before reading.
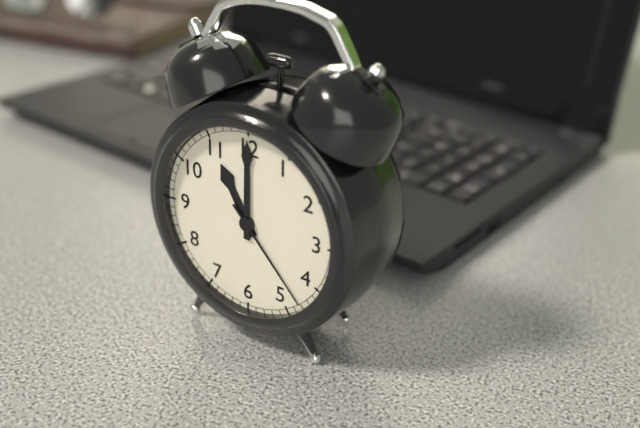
11:00:23
